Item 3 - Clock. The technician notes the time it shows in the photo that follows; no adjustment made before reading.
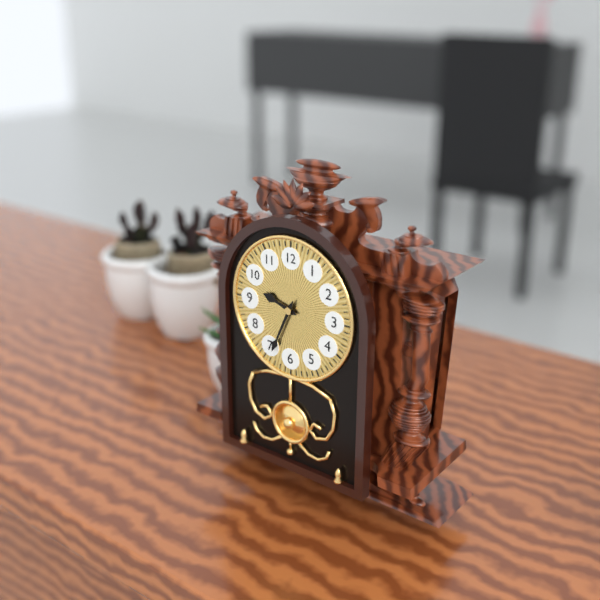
9:34
